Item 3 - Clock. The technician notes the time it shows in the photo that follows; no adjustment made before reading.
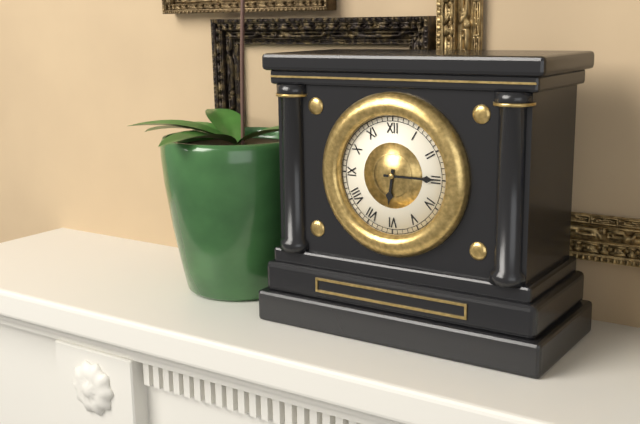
6:15
